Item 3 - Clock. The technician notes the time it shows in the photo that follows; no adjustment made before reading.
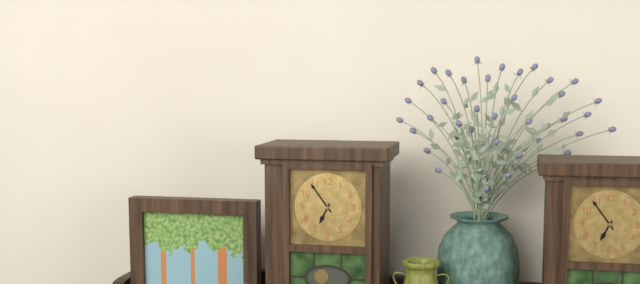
6:54
